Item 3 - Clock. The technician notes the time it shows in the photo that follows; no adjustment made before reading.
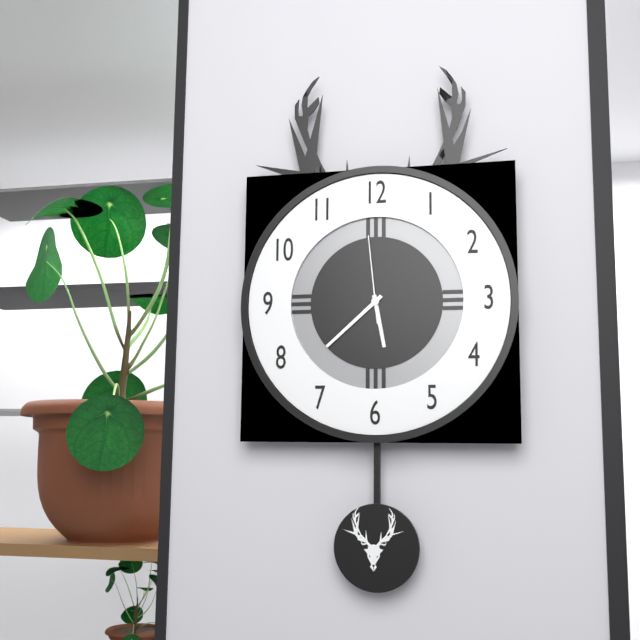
5:38:59
